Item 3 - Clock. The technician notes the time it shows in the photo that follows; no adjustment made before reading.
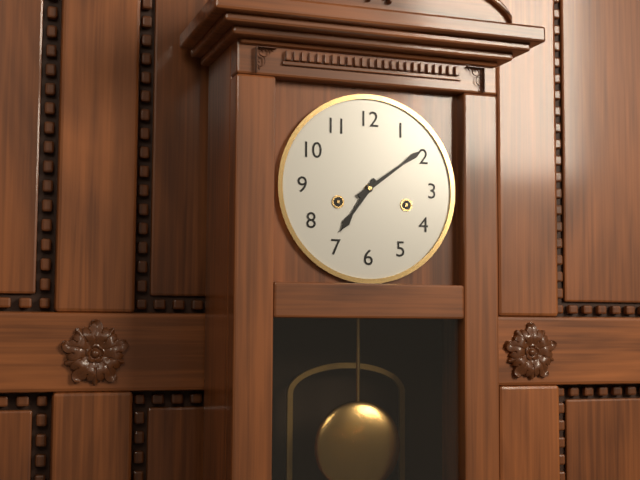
7:09
